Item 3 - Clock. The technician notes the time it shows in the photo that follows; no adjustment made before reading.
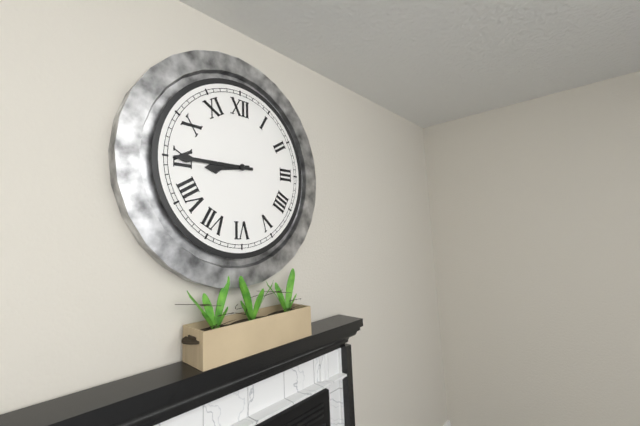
8:45
